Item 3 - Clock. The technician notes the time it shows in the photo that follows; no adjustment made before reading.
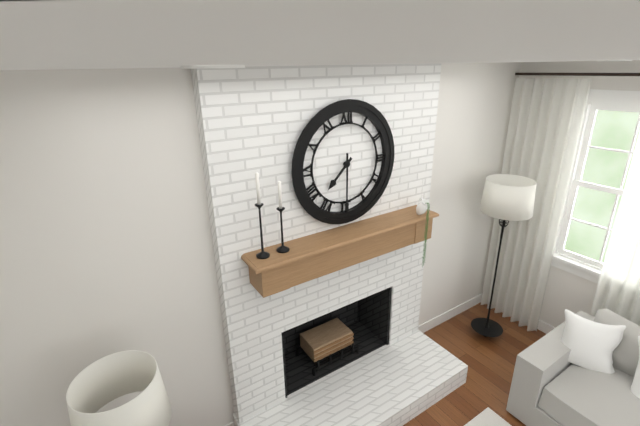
7:30
